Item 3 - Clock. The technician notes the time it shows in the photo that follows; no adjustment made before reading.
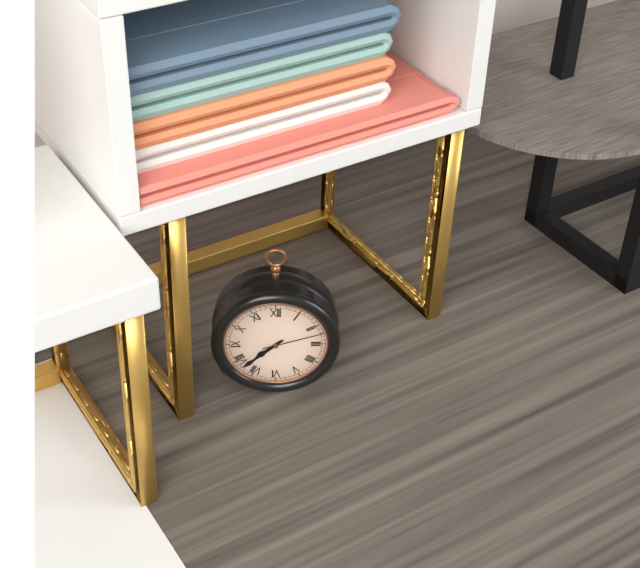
7:38:12
